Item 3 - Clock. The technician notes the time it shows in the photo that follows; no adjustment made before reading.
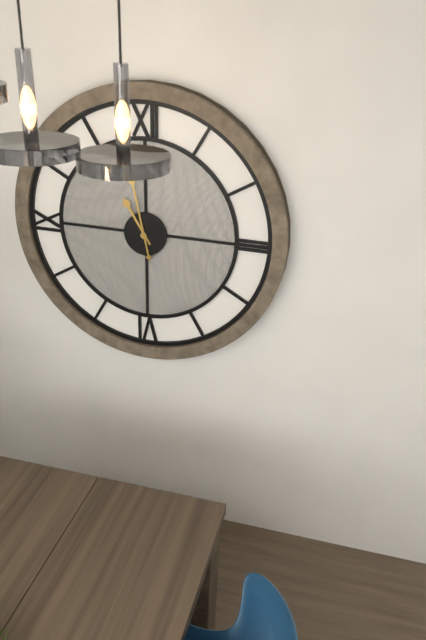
10:58
